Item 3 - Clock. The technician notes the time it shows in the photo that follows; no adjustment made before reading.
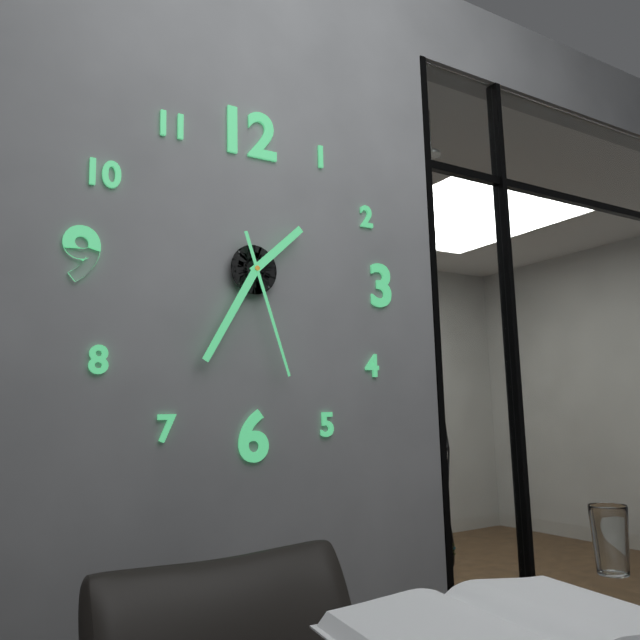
1:35:27
